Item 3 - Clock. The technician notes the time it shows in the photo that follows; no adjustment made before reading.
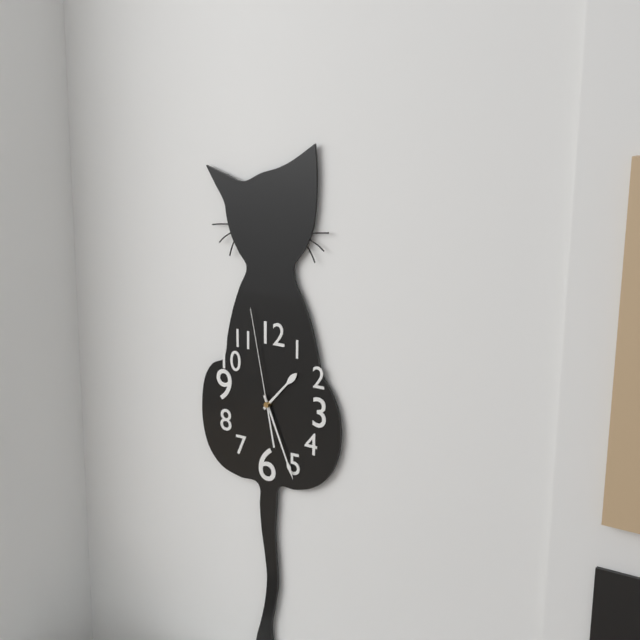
1:26:58
